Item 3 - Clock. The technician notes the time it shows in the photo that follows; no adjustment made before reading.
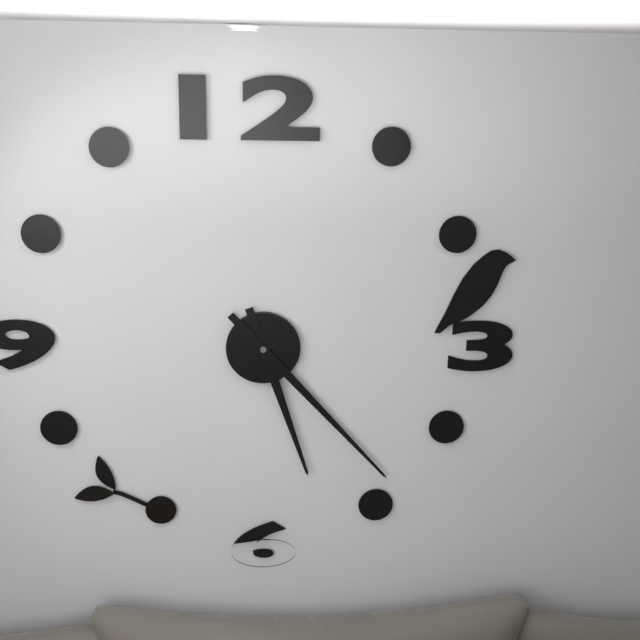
5:23
